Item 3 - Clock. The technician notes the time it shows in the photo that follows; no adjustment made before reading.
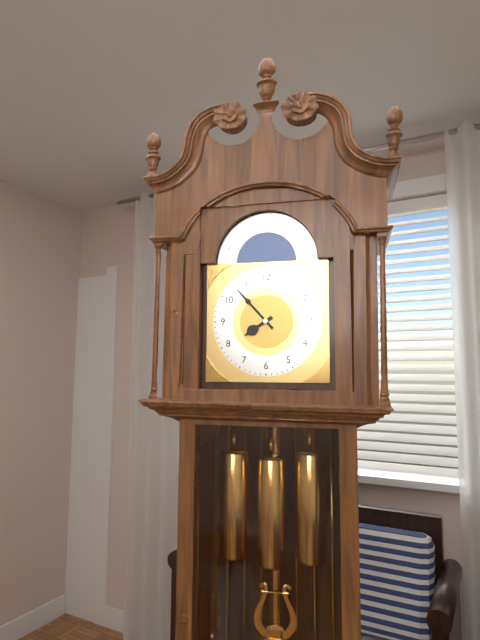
7:53
